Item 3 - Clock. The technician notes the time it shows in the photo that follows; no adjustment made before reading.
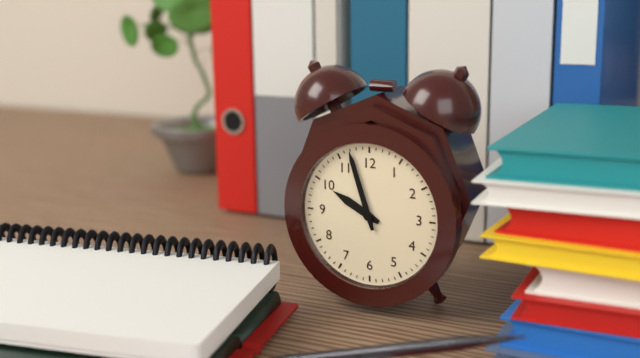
9:57
